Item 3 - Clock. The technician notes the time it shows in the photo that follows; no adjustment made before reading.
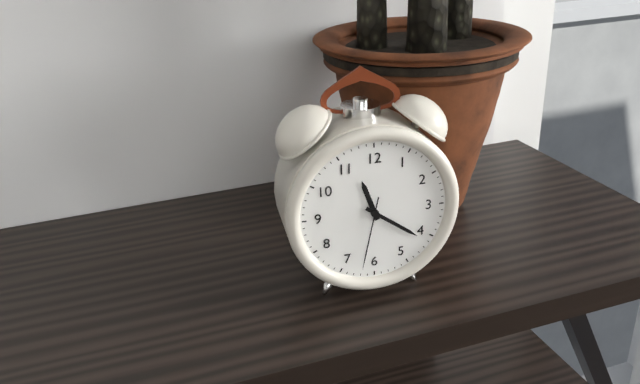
11:21:32
